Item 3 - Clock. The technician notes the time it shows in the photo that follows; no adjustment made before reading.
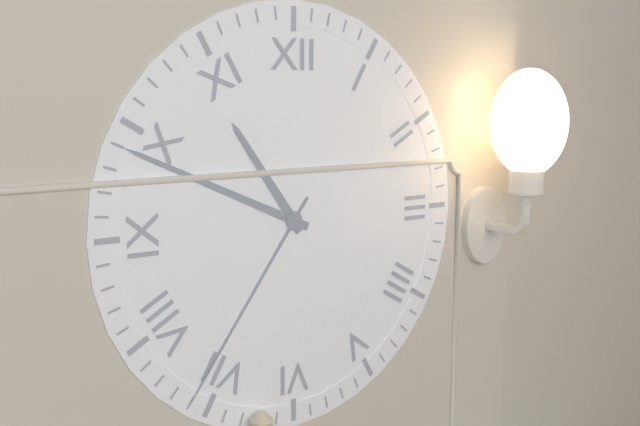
10:49:36
